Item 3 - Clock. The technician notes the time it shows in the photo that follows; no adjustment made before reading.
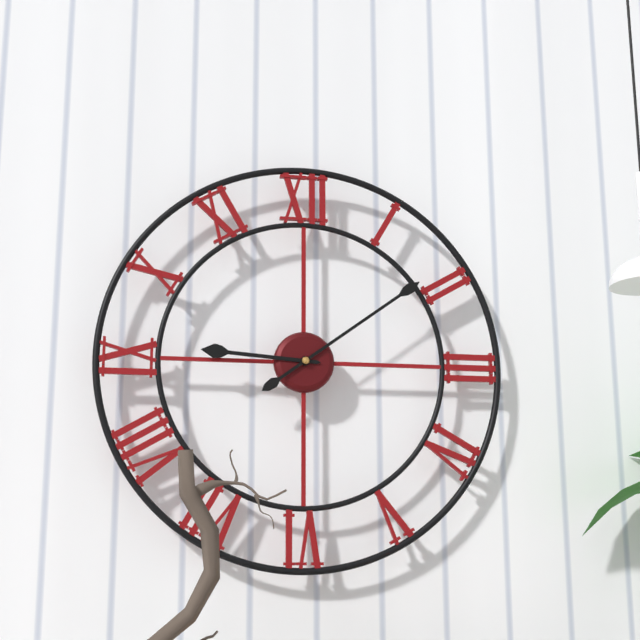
9:09
